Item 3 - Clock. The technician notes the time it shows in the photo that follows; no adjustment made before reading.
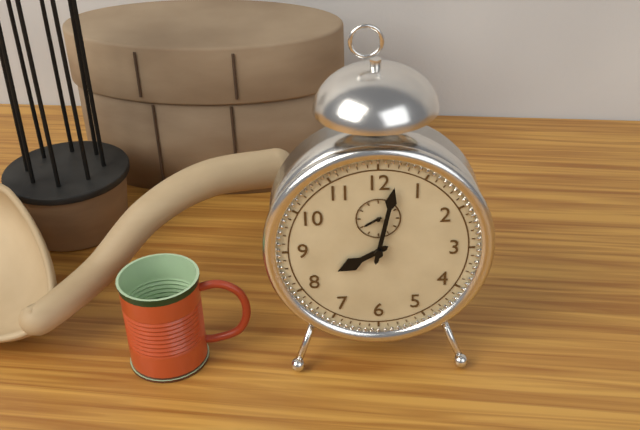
8:02
